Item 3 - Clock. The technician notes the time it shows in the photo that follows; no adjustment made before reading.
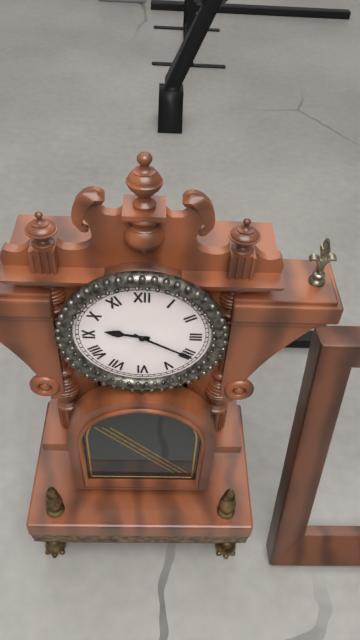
9:20
